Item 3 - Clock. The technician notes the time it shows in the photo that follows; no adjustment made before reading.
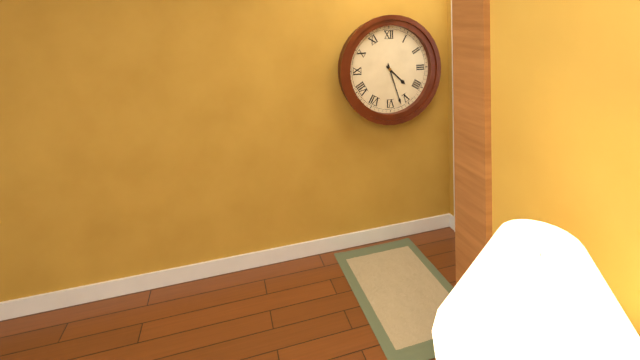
4:27
